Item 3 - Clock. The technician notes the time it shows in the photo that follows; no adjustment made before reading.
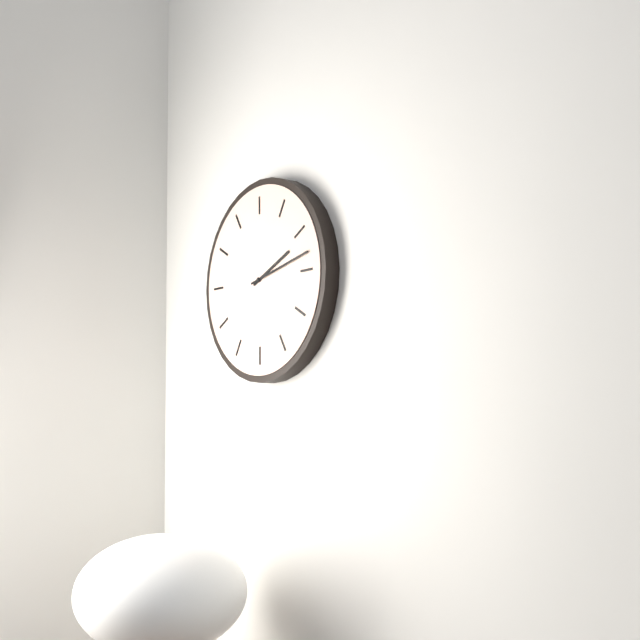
2:13
